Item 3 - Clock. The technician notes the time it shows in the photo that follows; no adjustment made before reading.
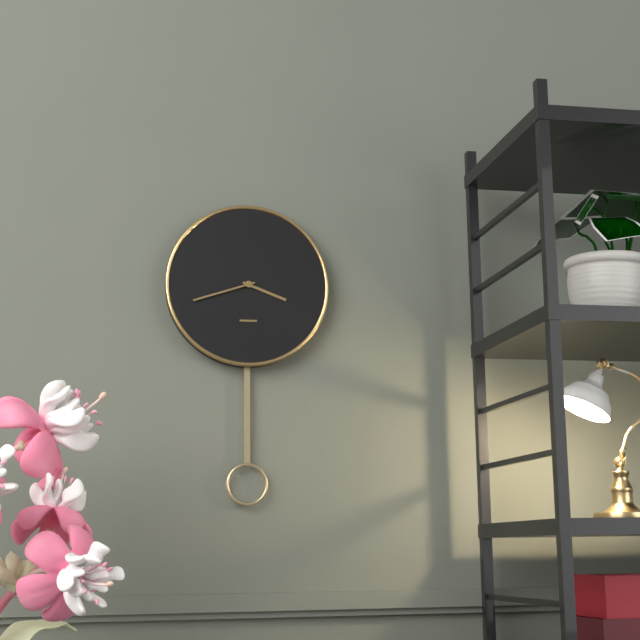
3:42
